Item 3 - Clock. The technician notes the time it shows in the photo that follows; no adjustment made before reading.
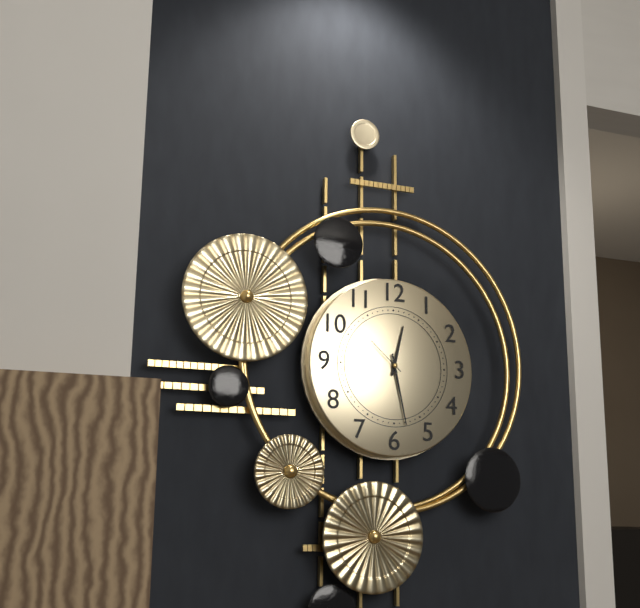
12:28
